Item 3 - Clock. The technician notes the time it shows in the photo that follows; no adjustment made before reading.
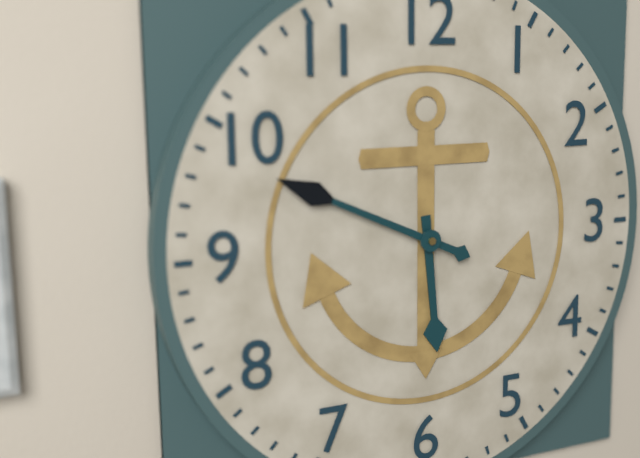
5:49
